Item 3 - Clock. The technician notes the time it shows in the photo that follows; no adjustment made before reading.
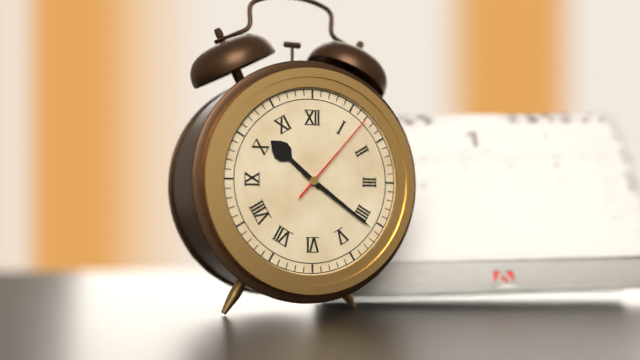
10:21:07
